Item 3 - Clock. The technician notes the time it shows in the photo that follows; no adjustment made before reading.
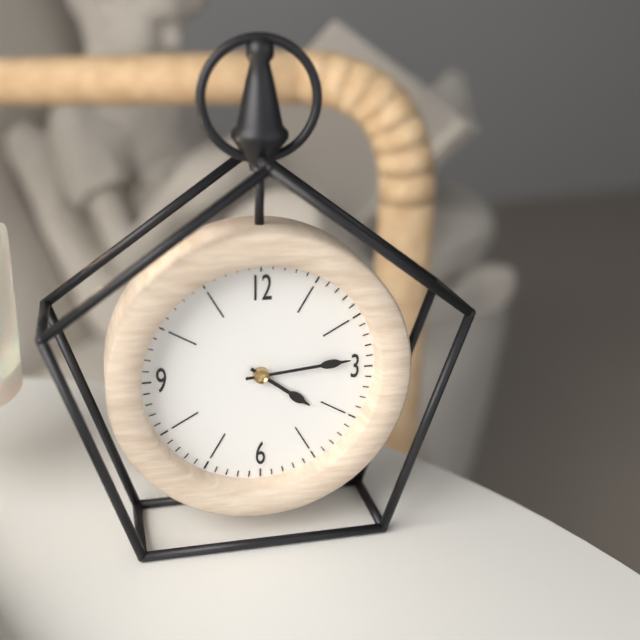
4:14
